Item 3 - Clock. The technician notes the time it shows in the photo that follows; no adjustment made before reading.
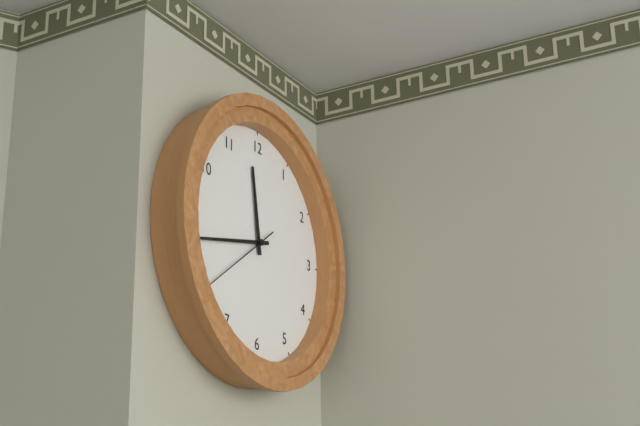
11:43:39
